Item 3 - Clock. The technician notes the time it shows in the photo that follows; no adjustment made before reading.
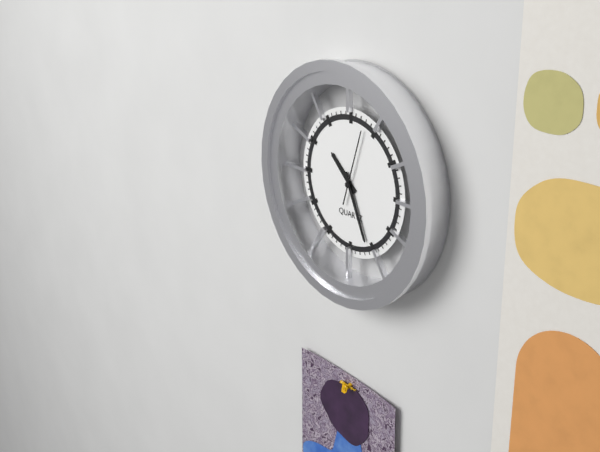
10:26:03
